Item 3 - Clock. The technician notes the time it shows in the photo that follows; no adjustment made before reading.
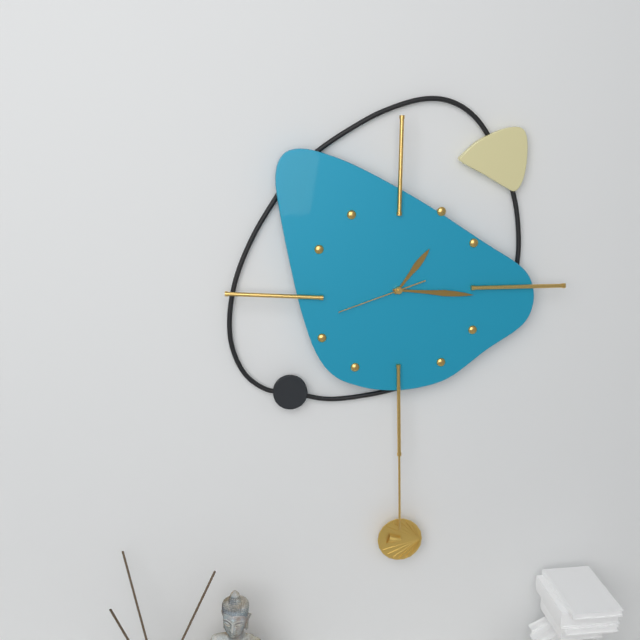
1:16:42
